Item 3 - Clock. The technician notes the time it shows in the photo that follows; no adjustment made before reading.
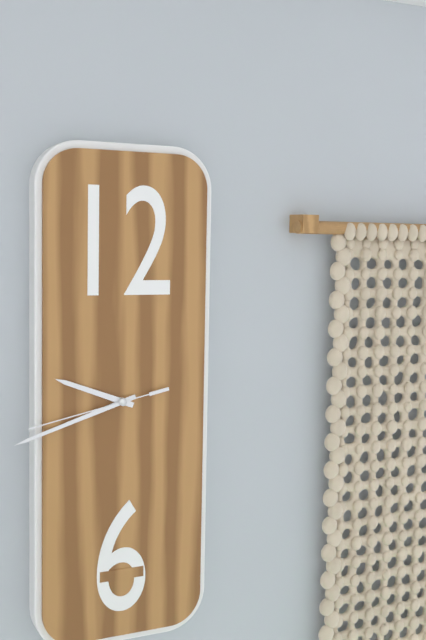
9:42:43
